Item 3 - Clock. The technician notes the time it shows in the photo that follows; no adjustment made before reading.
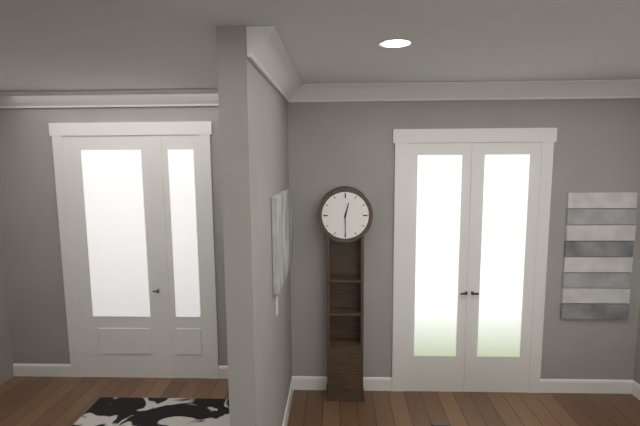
12:30
